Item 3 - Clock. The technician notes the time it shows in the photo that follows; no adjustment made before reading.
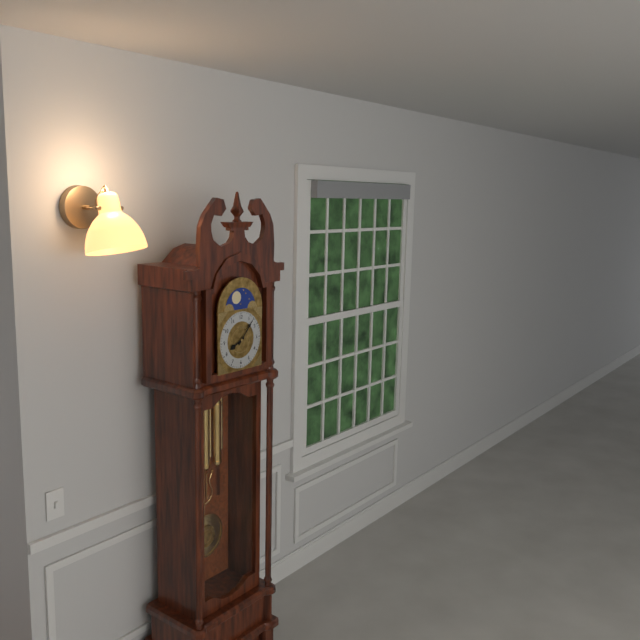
8:07
